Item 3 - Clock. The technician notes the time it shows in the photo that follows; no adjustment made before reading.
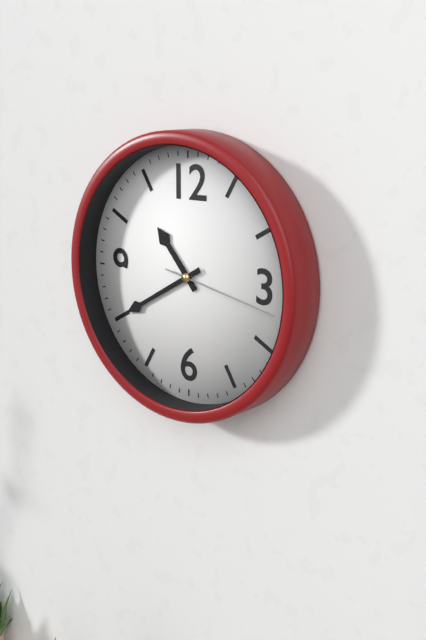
10:40:17
